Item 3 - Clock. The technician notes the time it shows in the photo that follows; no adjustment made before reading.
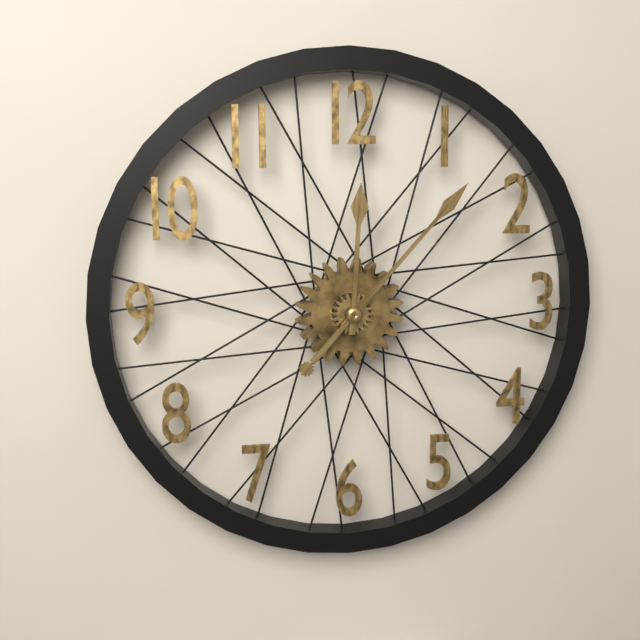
12:07
